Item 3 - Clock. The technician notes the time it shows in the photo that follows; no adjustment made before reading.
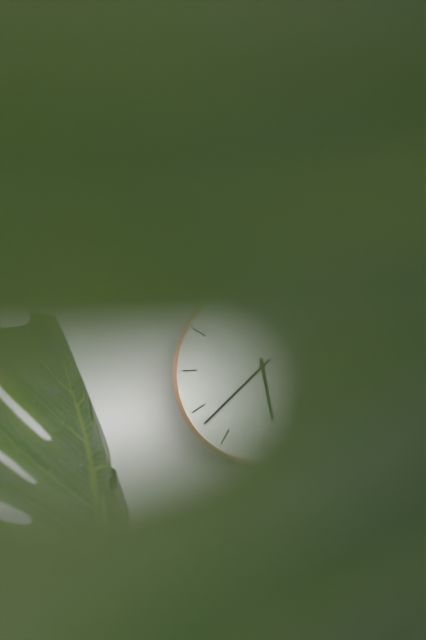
5:38
